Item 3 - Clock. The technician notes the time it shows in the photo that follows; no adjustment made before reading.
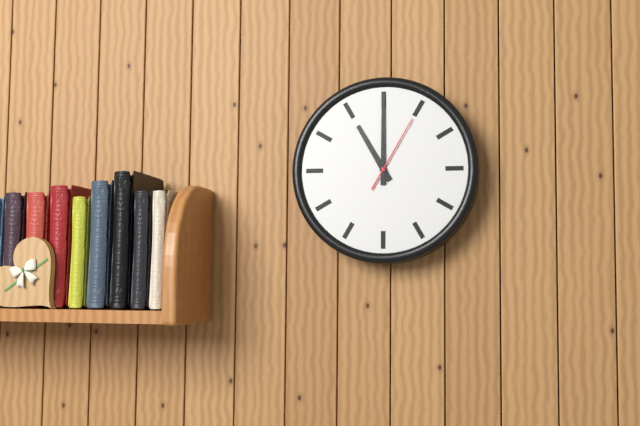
11:00:05
